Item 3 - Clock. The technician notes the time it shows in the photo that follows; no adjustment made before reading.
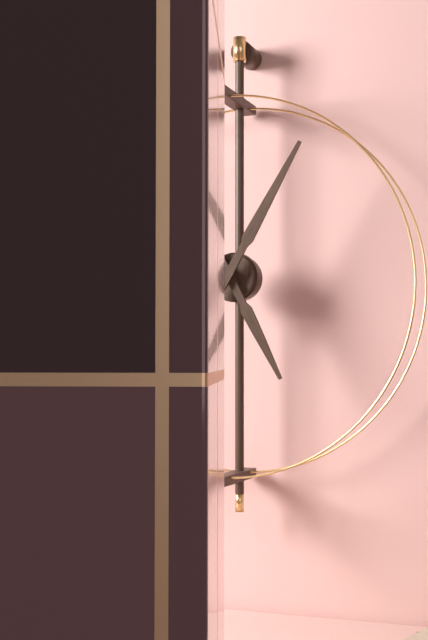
5:05
